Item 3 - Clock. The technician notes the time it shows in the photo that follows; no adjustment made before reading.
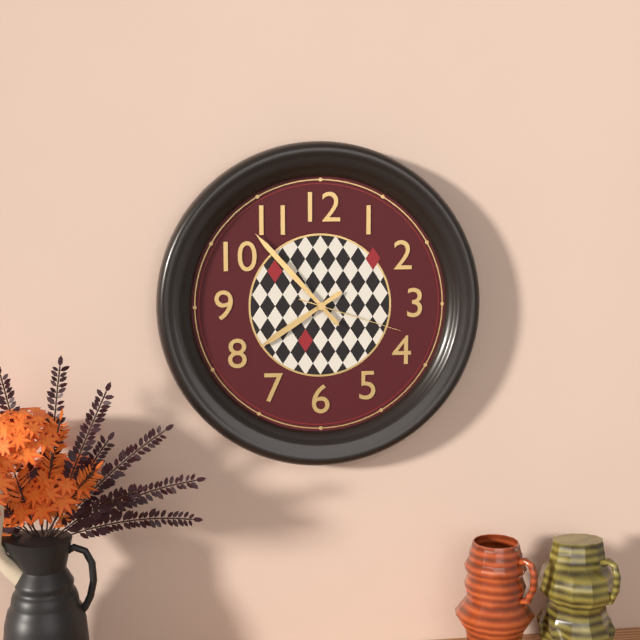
7:53:18
